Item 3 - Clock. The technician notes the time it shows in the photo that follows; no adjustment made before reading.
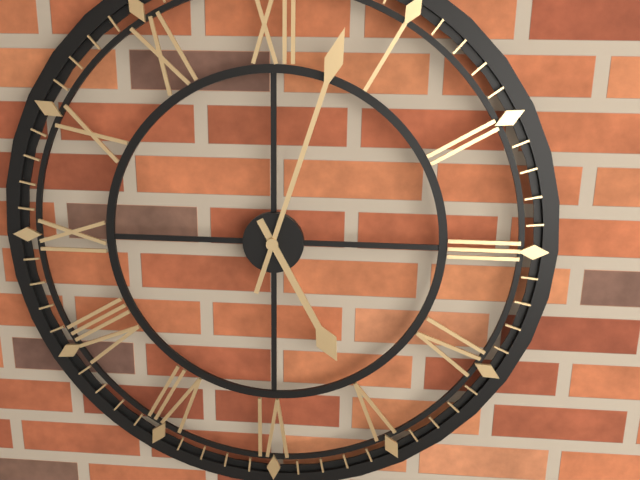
5:03
